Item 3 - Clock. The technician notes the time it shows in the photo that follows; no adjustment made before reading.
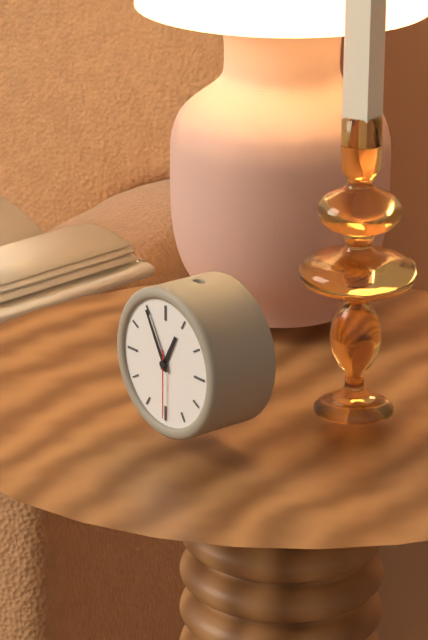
12:55:30
